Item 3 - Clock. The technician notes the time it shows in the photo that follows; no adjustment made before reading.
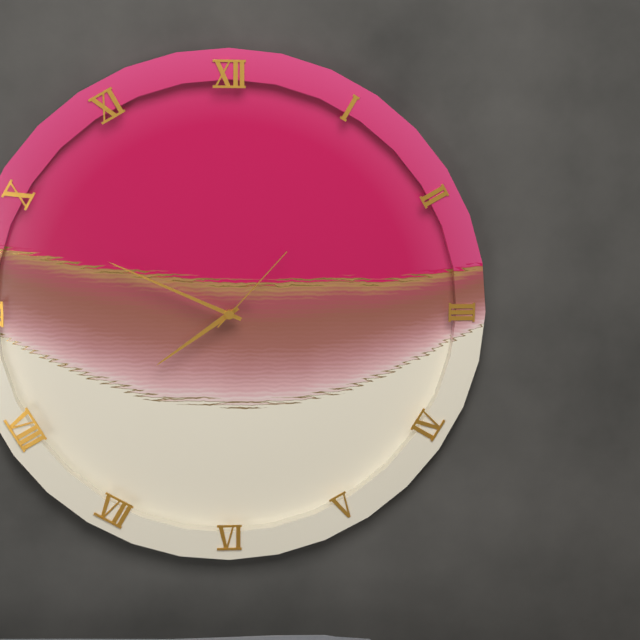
7:49:07
